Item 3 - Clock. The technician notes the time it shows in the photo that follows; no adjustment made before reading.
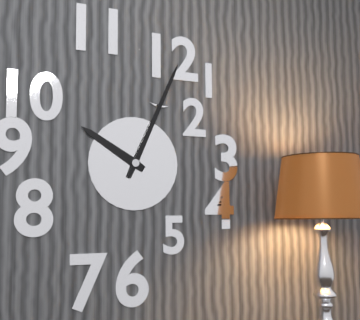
10:04
